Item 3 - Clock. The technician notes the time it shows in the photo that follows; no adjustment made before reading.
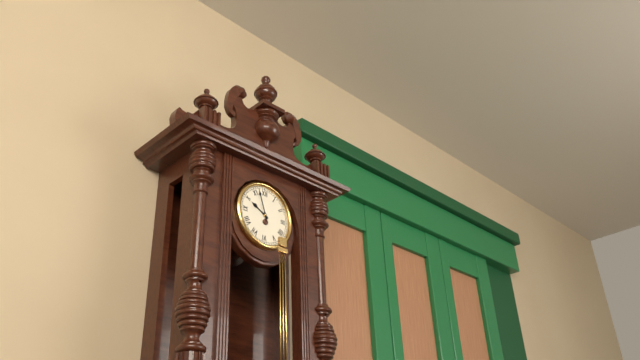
9:57
